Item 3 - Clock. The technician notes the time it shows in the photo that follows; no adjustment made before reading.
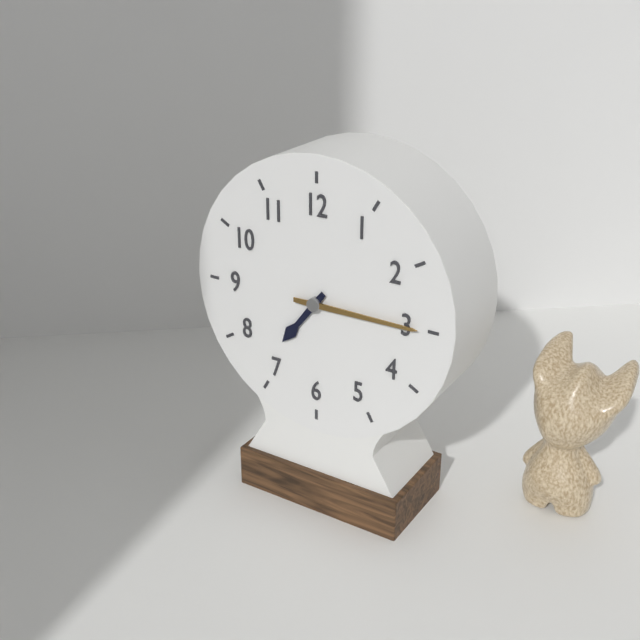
7:15
